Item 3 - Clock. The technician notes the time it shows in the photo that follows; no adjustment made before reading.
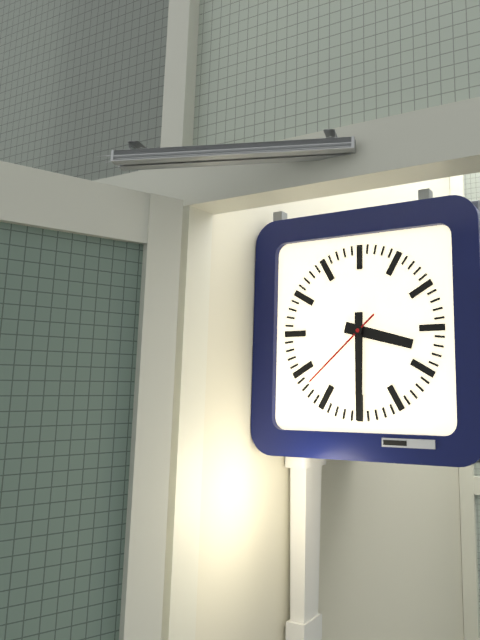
3:30:38
